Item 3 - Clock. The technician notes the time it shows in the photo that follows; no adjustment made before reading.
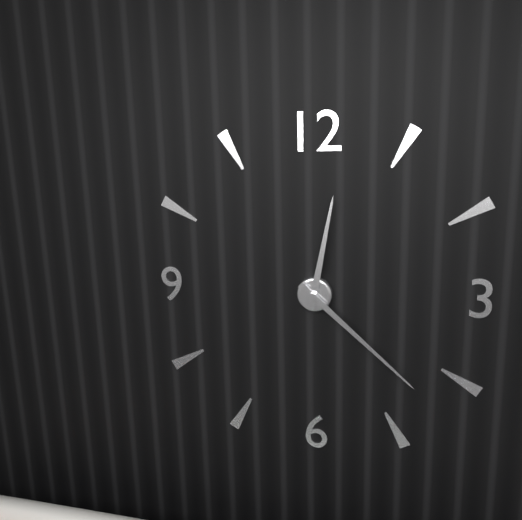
12:22
